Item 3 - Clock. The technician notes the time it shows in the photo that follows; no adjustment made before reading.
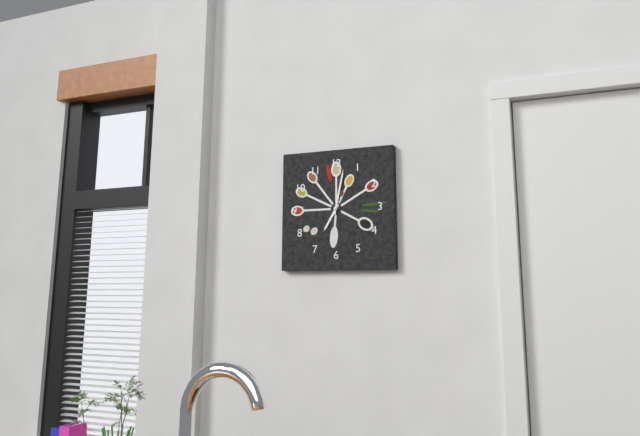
7:02
